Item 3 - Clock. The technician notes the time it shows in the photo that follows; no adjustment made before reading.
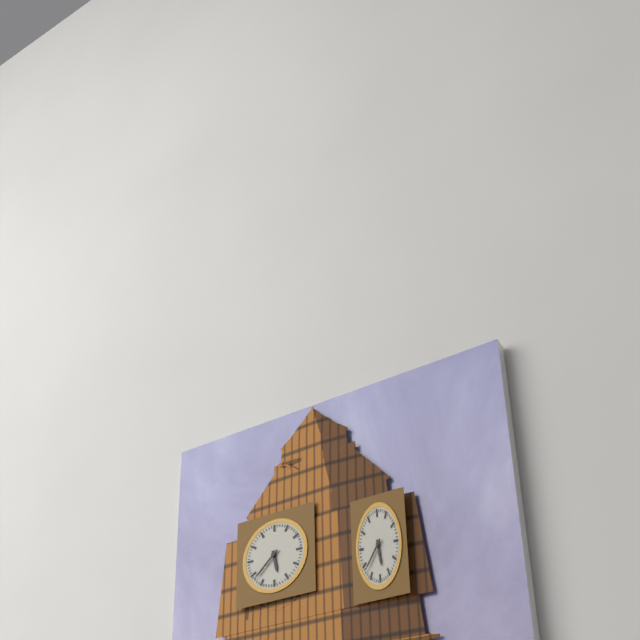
5:38
